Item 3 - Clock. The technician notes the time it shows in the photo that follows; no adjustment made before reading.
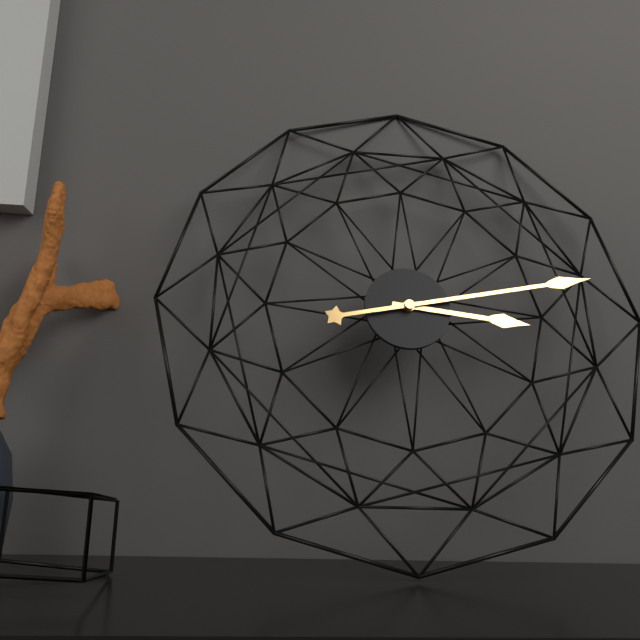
3:13
